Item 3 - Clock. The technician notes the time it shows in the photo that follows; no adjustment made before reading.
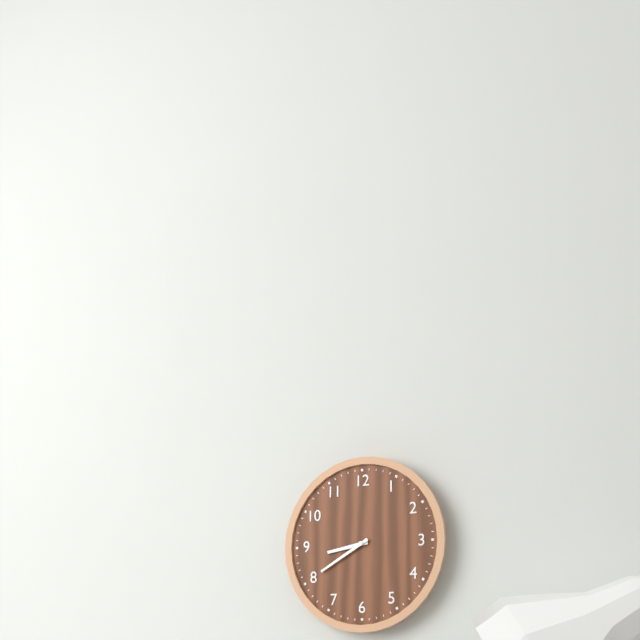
8:40
